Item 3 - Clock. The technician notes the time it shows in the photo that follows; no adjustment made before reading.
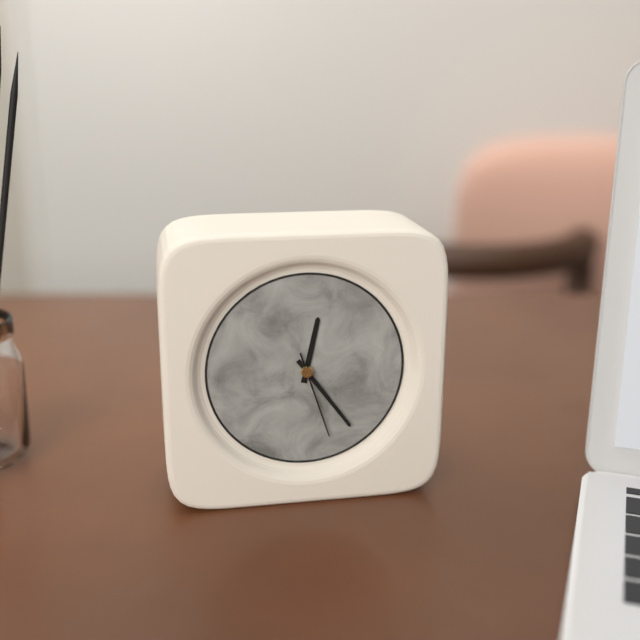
12:24:27
